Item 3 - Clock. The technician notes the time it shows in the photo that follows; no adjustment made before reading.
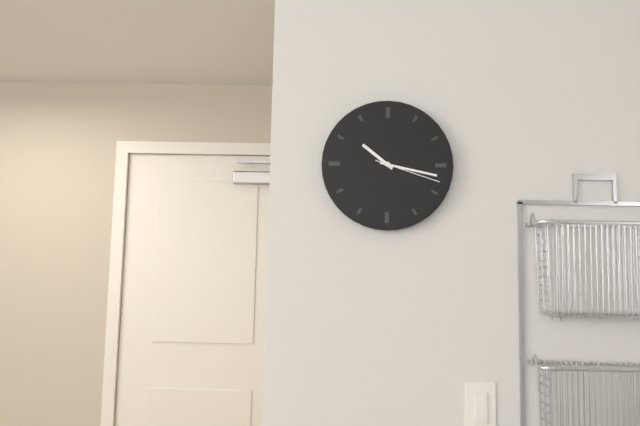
10:17:18
